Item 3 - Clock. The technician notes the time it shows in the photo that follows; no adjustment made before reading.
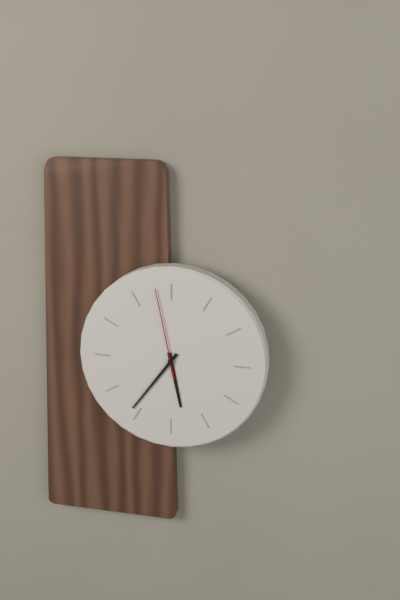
5:36:58
